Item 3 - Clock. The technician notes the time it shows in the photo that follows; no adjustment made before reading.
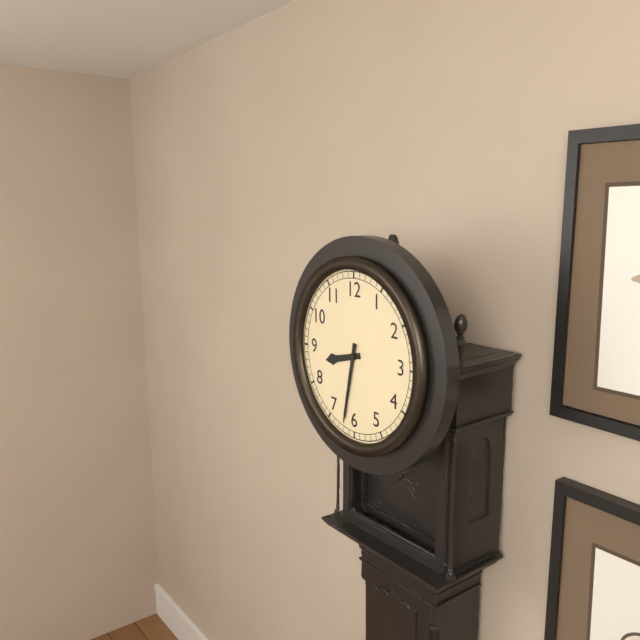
8:32
